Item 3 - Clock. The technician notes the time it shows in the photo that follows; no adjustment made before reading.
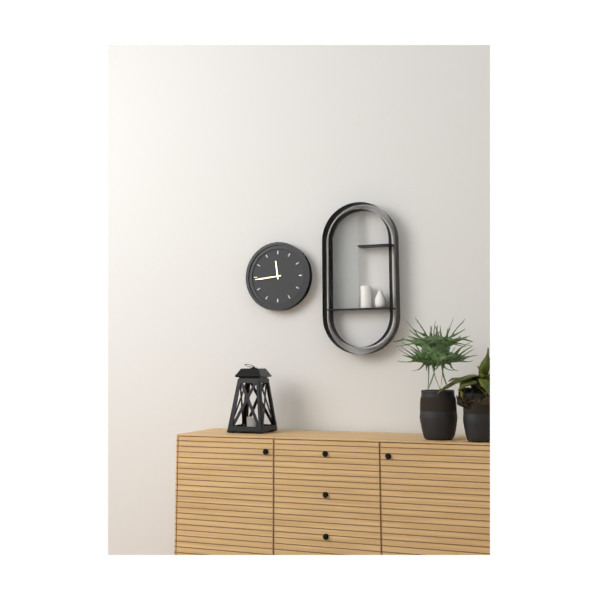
11:44
